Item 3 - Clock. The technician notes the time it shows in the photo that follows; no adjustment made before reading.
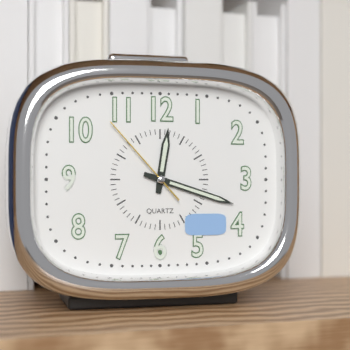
12:18:53
